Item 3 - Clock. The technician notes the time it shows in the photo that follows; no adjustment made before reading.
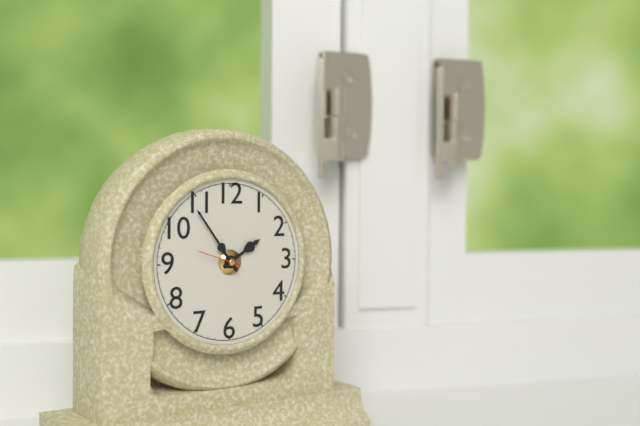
1:54
